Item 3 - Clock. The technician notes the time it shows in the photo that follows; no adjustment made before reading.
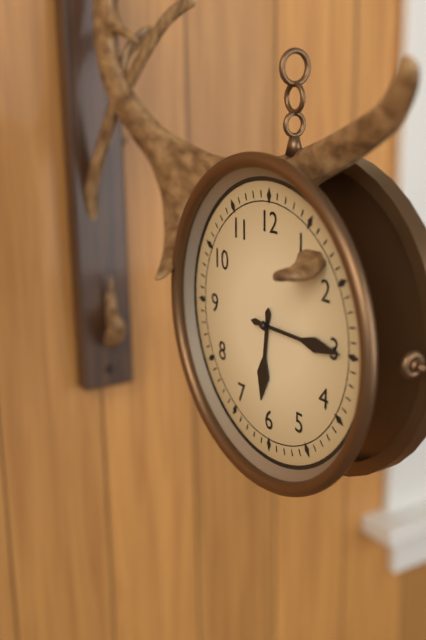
6:15
